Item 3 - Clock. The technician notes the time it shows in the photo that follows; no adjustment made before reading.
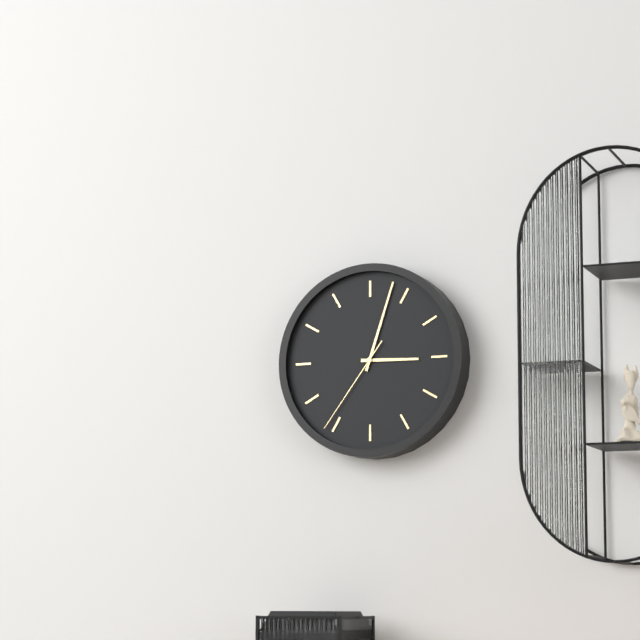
3:03:36
